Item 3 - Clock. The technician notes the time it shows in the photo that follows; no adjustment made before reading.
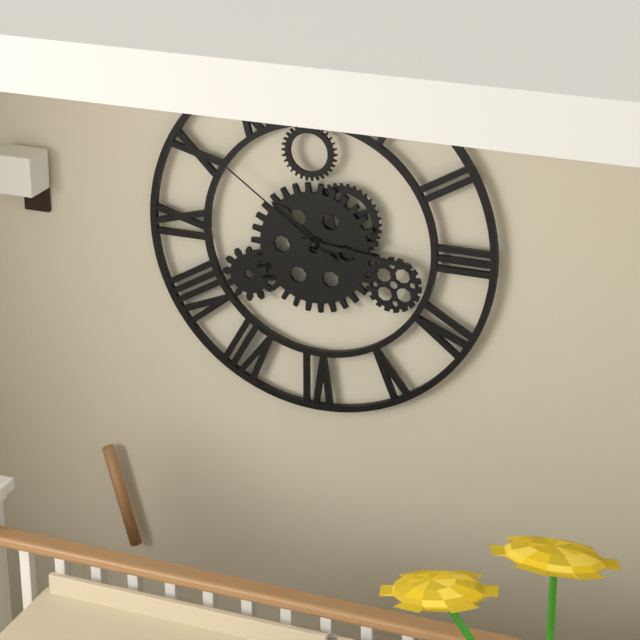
10:16:51
